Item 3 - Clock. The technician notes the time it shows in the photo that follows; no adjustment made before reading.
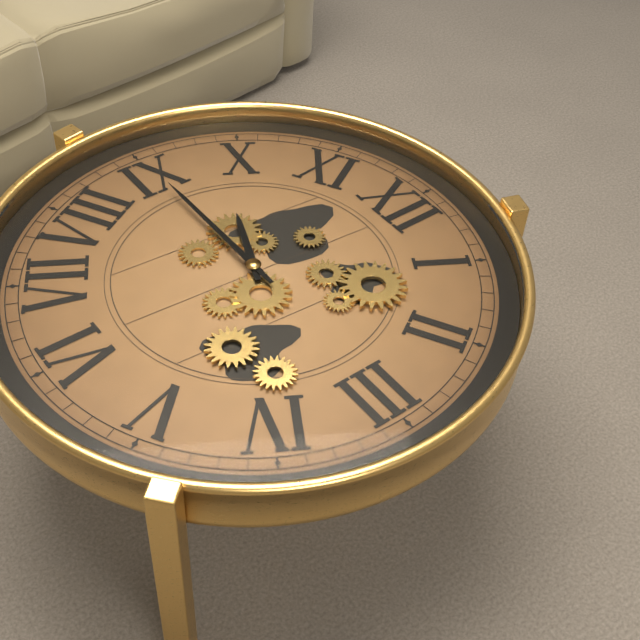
9:45
